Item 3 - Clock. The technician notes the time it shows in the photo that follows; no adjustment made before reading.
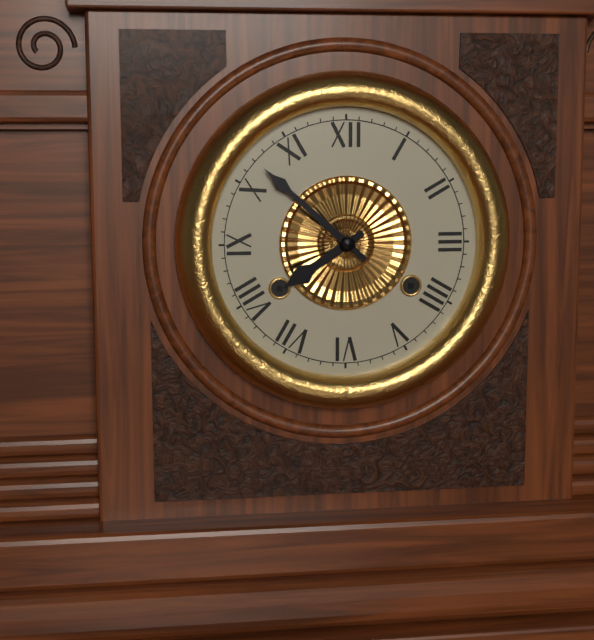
7:52
